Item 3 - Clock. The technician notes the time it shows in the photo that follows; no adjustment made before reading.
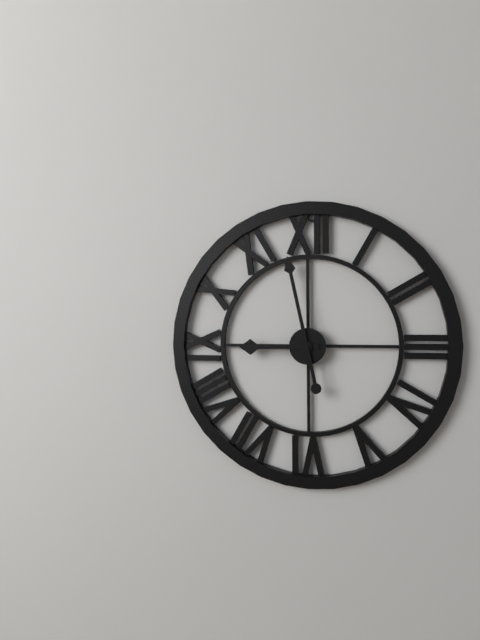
8:58
